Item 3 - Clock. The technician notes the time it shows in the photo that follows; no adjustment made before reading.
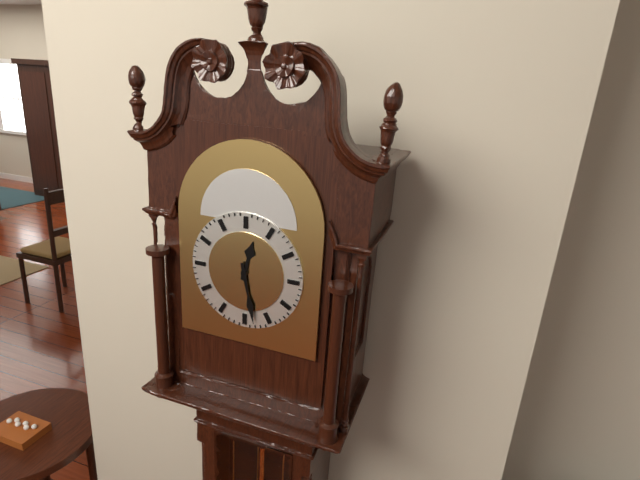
12:28
